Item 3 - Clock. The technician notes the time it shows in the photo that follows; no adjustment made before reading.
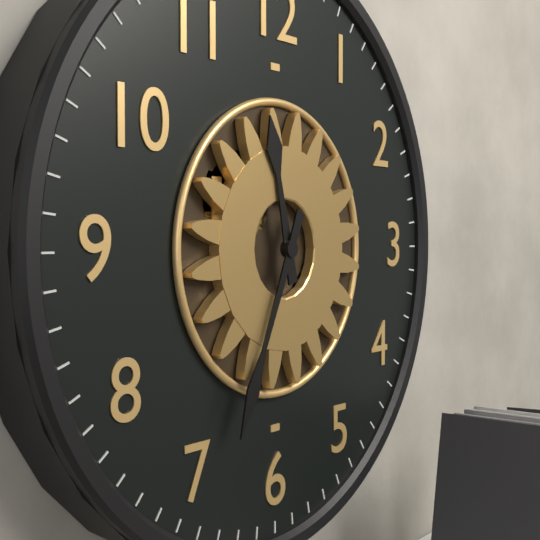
11:34
